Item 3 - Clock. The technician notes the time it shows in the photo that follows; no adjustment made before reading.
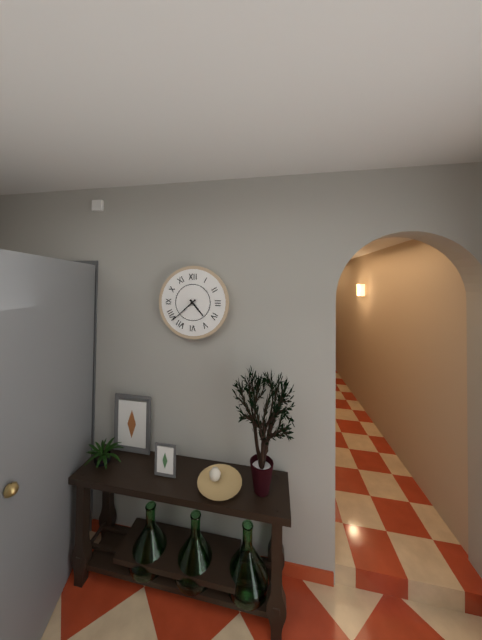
4:38
